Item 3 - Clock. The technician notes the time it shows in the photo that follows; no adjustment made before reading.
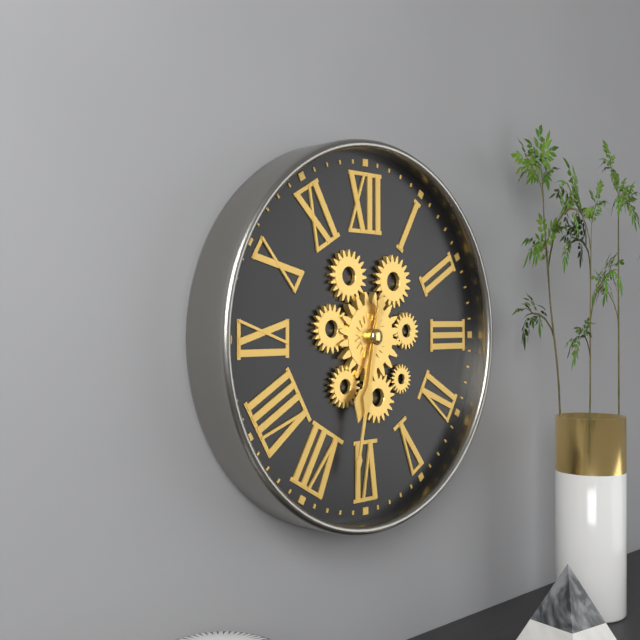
6:32
